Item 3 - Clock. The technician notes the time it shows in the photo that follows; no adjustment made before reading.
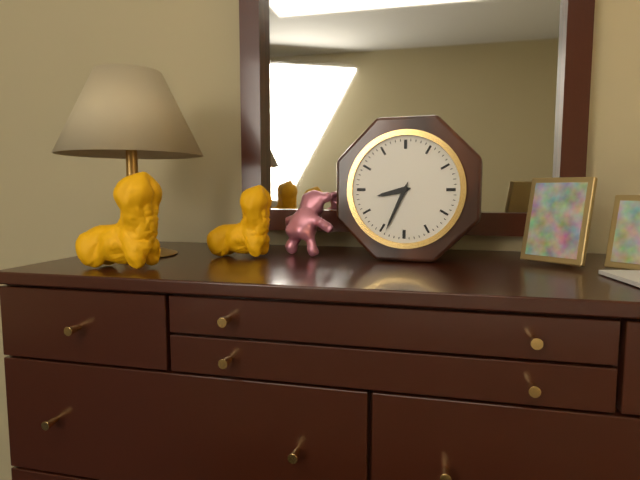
8:34
